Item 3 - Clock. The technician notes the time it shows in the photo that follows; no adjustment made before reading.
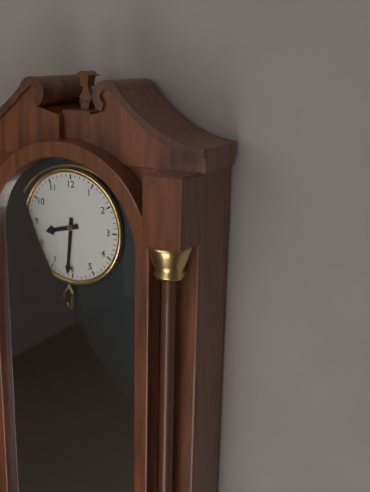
8:31
